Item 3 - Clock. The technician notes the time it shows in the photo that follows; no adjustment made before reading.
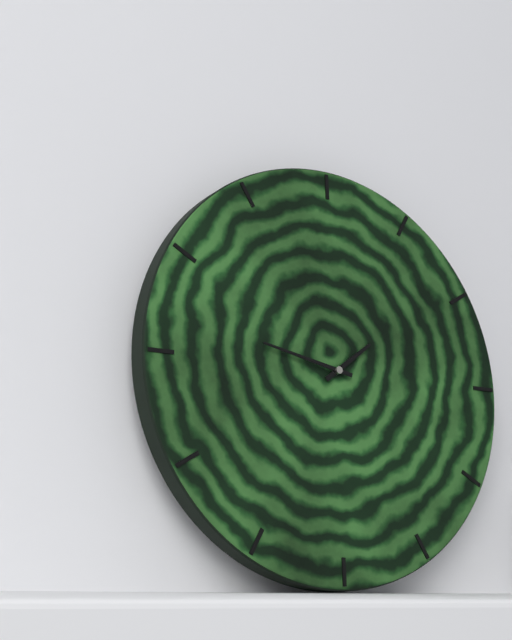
1:47
